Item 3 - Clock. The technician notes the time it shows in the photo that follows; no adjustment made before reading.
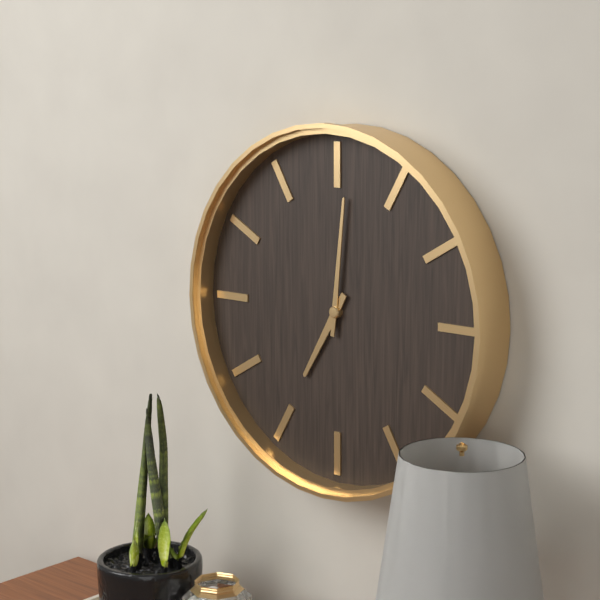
7:01
